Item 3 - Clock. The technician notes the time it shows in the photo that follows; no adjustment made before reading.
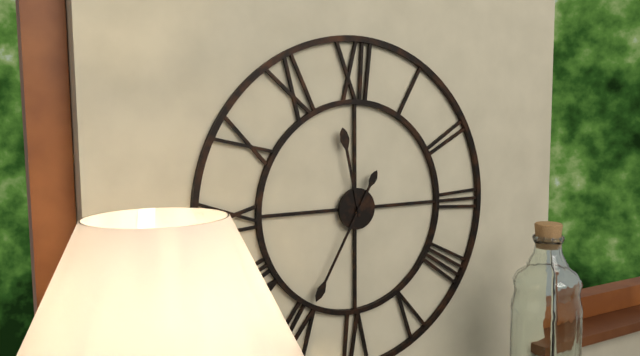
11:35
